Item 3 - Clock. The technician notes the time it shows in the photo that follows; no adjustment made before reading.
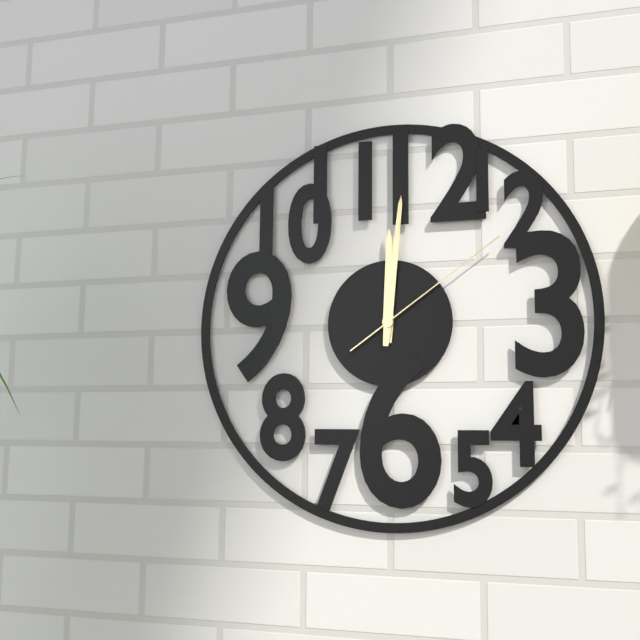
12:01:09
